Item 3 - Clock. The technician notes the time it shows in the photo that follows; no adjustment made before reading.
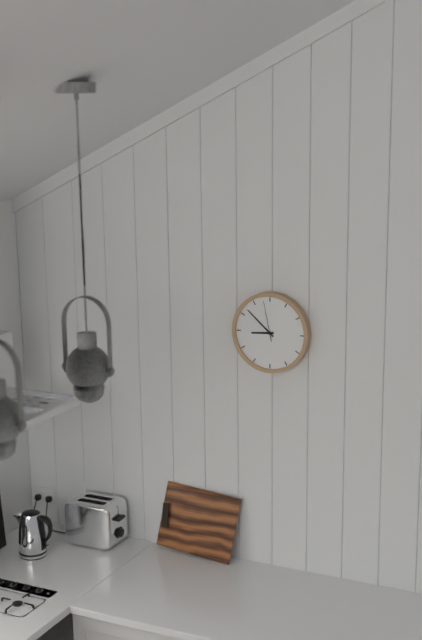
8:52
